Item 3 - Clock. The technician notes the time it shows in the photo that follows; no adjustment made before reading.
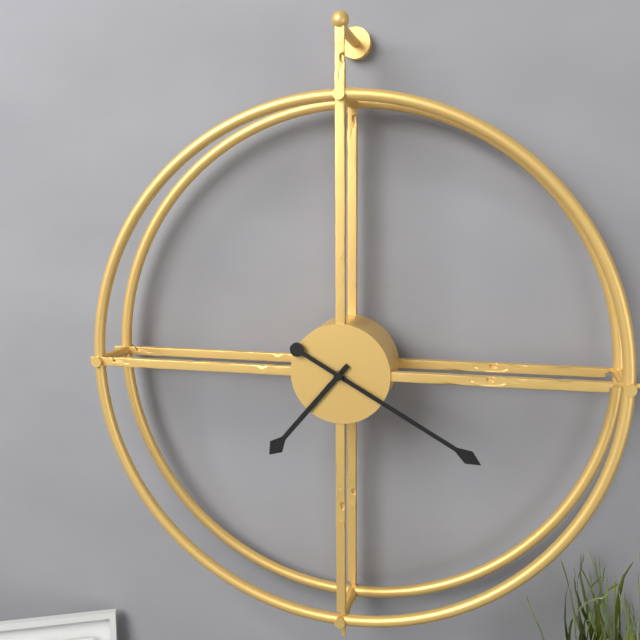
7:20
